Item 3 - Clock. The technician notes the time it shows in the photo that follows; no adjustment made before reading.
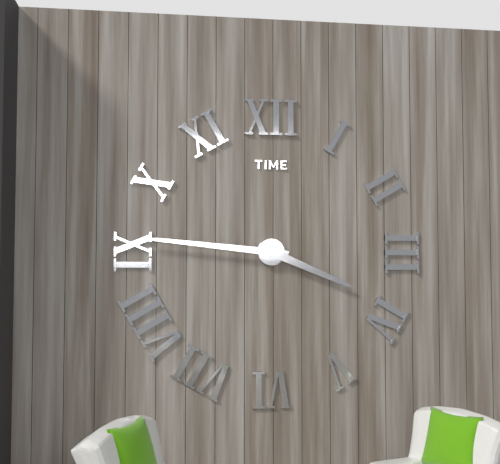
3:46
